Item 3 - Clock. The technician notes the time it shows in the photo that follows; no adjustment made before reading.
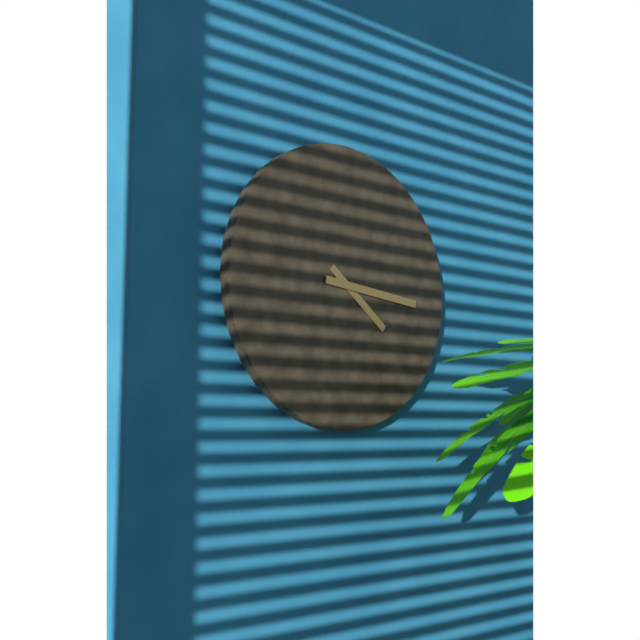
4:16
